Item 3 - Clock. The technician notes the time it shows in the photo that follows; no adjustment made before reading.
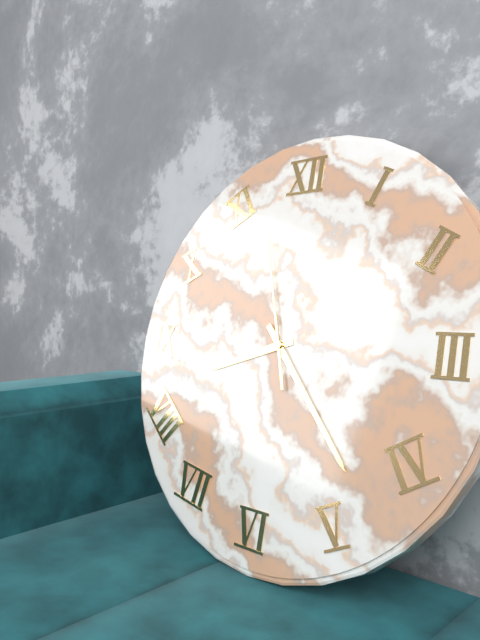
8:23:57
